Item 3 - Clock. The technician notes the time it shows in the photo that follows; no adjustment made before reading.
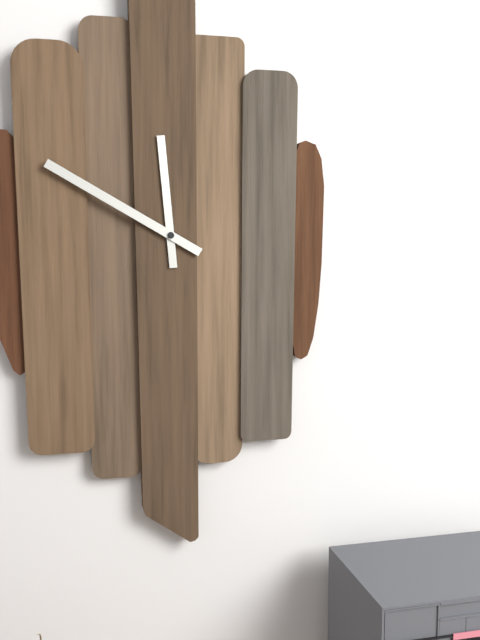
11:50
